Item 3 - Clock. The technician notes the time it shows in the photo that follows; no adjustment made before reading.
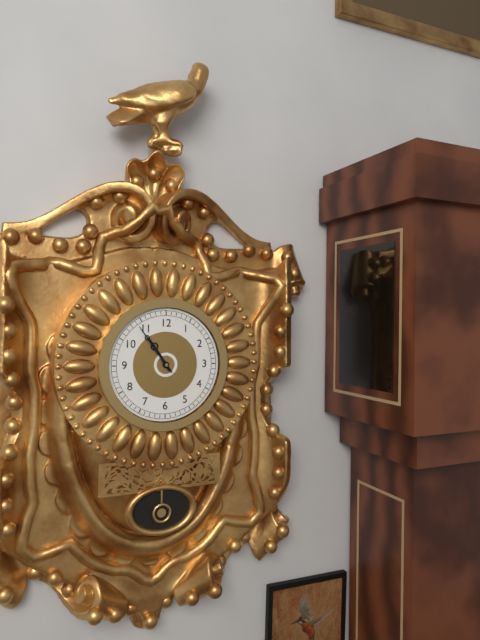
10:54
